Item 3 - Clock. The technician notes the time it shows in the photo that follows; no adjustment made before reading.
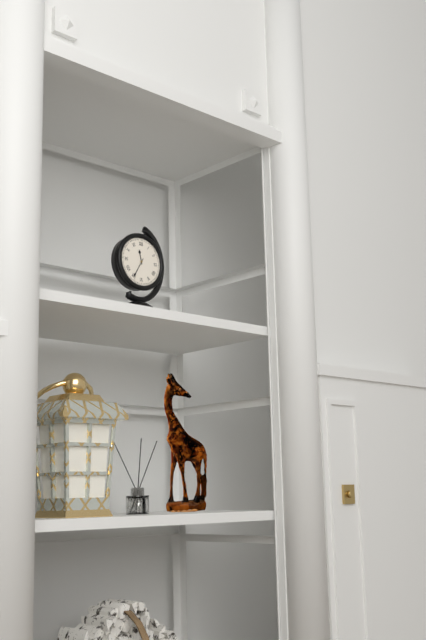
11:35
